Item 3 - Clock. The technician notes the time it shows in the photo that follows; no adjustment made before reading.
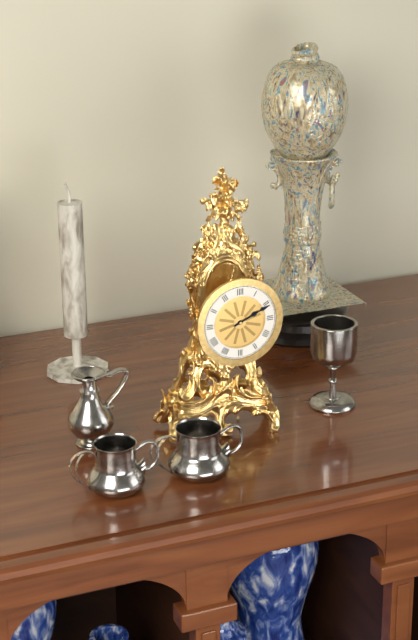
2:11
